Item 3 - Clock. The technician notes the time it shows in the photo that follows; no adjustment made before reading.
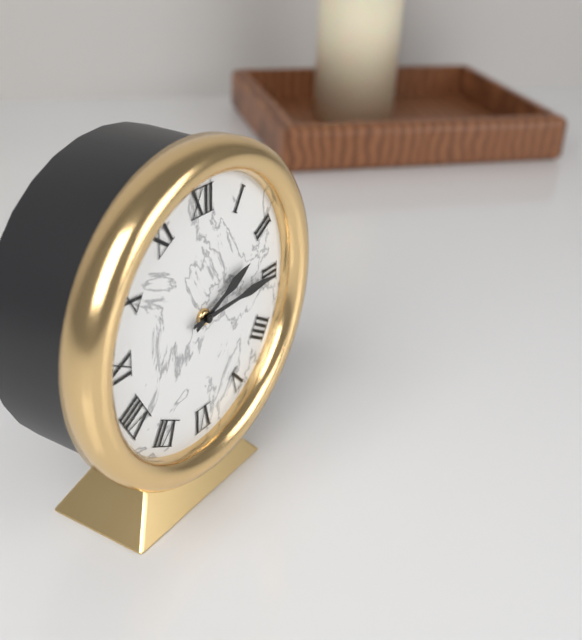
2:15
